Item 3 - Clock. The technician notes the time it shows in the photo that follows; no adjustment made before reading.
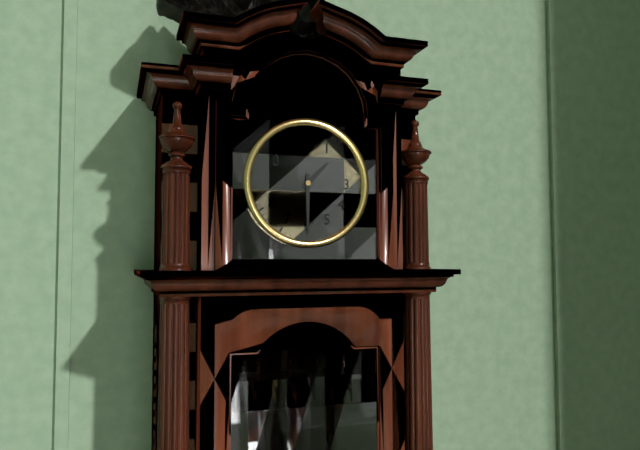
1:30
